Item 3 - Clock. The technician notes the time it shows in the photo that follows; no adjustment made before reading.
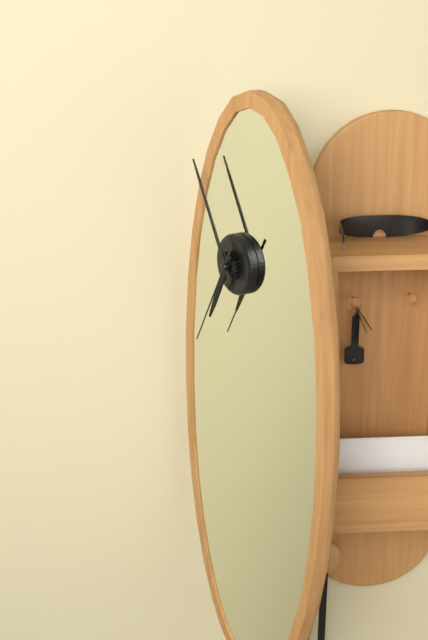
6:55:35
